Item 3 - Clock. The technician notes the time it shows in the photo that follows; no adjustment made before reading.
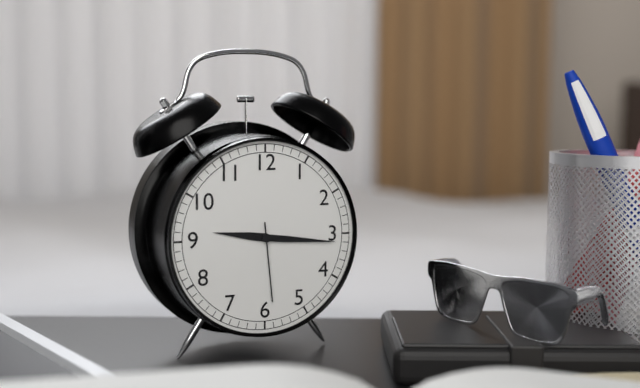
9:16:29
